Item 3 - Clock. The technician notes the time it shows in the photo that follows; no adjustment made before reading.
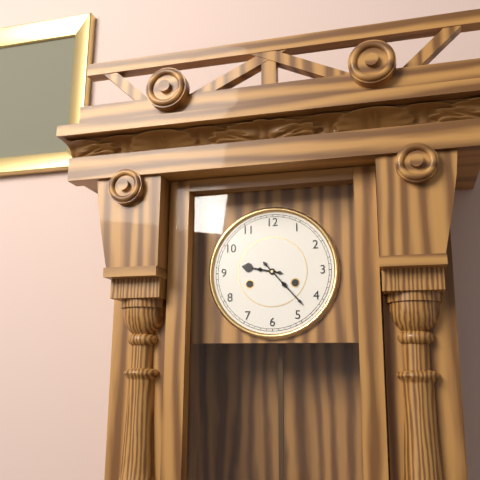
9:23
